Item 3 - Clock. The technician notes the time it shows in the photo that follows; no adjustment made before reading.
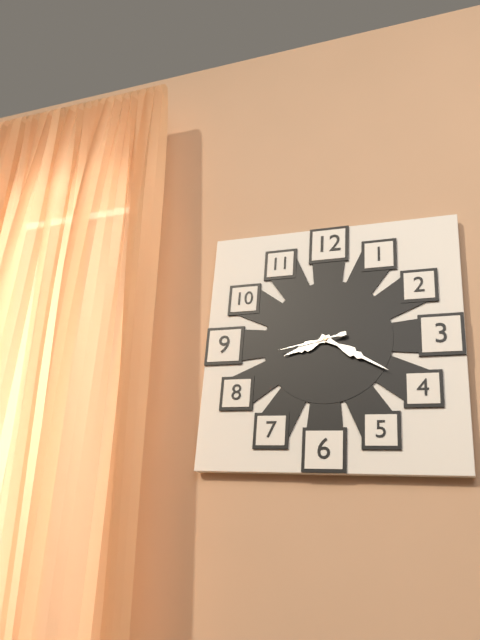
8:20:43
